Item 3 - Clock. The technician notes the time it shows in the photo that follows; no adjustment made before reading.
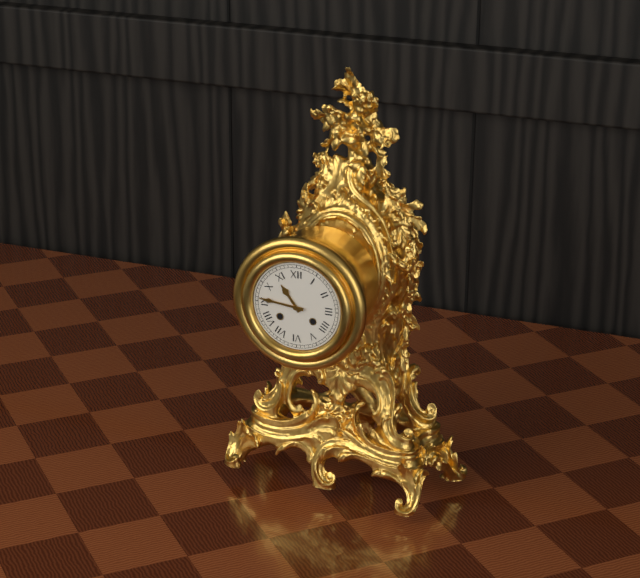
10:46
